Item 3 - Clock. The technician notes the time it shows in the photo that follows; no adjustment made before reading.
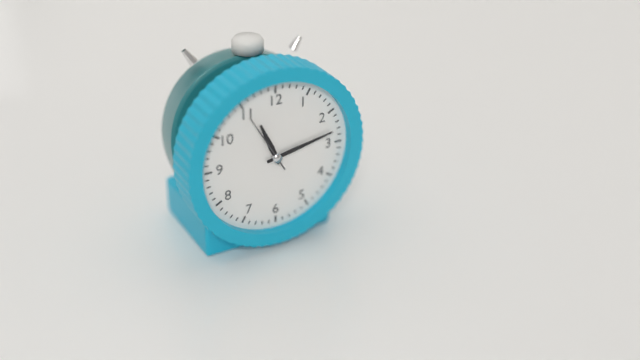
11:13:55
